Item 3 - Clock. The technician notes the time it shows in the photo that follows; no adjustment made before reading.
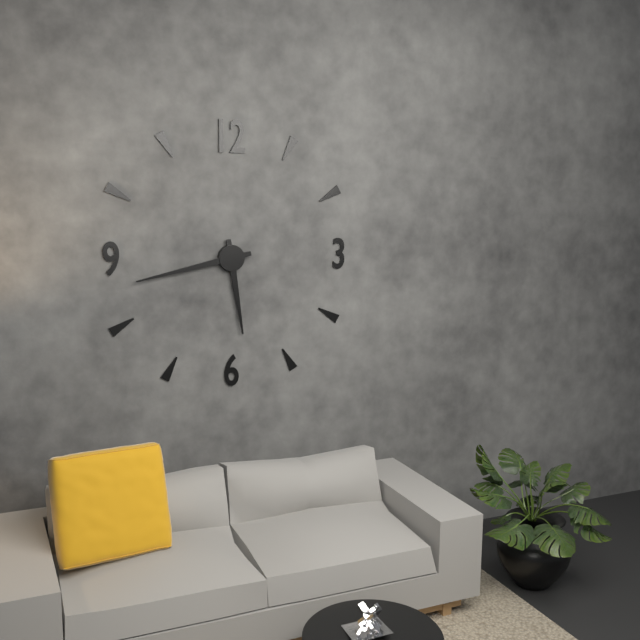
5:43
